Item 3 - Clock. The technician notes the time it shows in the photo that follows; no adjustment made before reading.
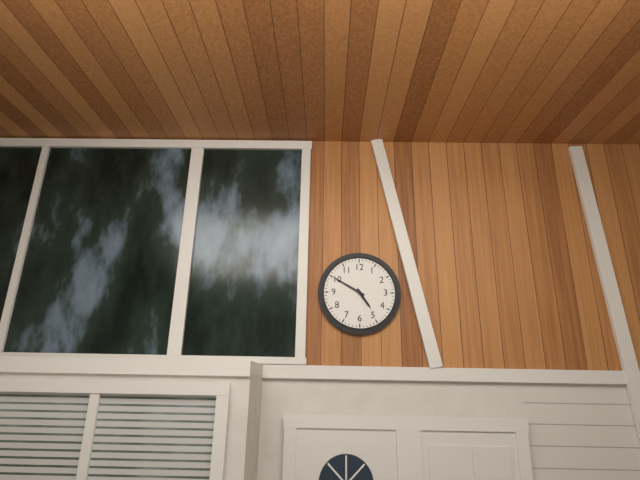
4:50
